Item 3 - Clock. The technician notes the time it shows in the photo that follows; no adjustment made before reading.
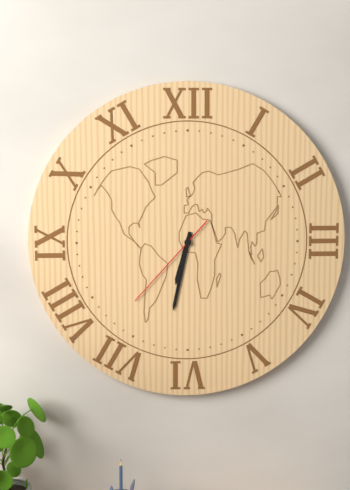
6:32:37
